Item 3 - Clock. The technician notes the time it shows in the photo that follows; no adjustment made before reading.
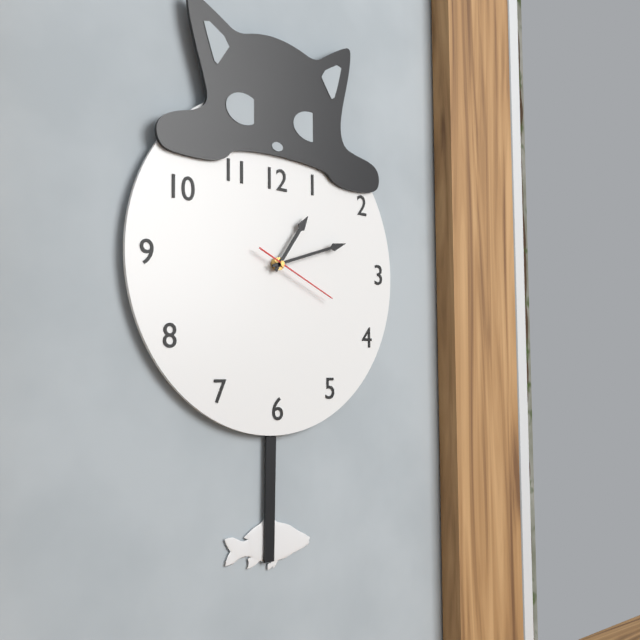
1:12:19
